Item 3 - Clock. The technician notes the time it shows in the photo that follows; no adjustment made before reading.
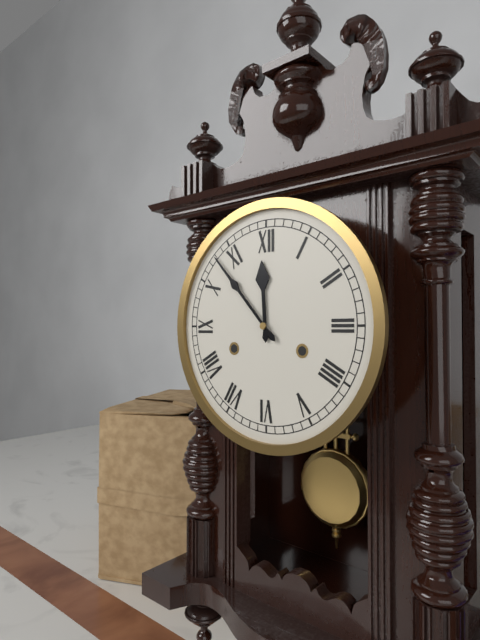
11:53
